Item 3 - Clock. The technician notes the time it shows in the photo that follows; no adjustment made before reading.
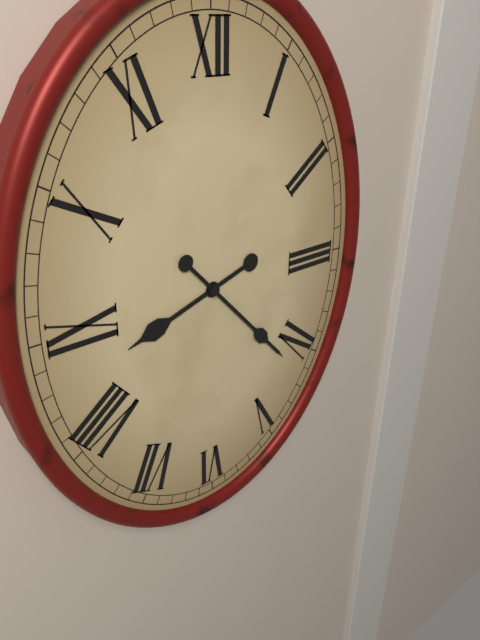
8:23
